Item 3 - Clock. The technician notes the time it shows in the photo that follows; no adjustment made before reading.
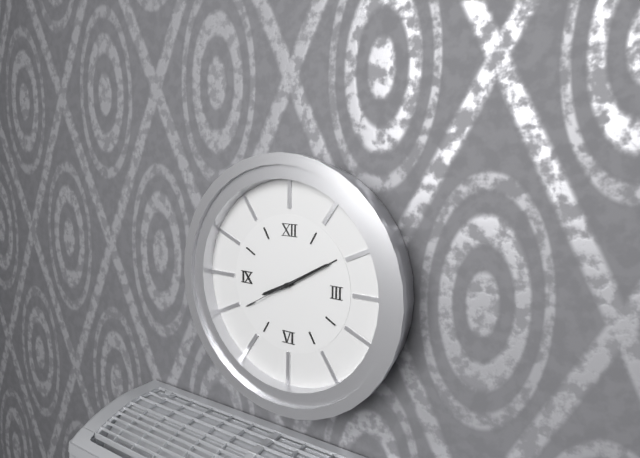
8:10:40
